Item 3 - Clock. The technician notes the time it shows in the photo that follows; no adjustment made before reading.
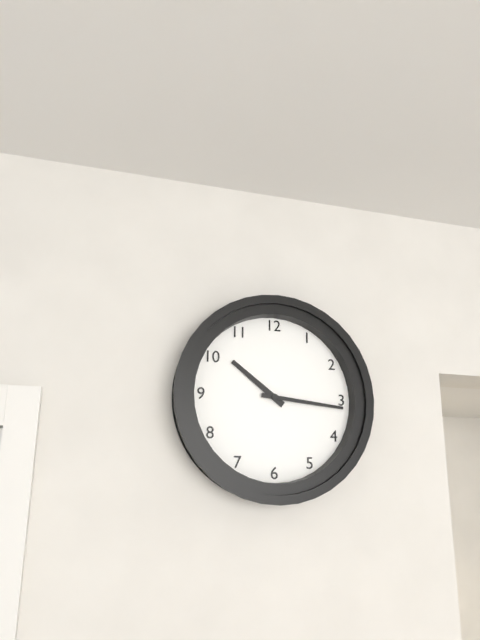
10:16
